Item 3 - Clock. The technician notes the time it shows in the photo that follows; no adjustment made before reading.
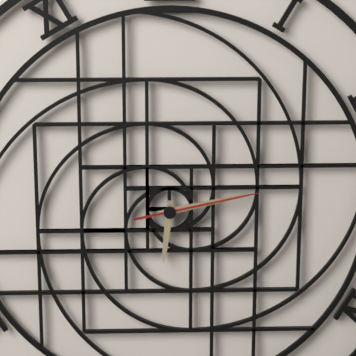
6:13:13
